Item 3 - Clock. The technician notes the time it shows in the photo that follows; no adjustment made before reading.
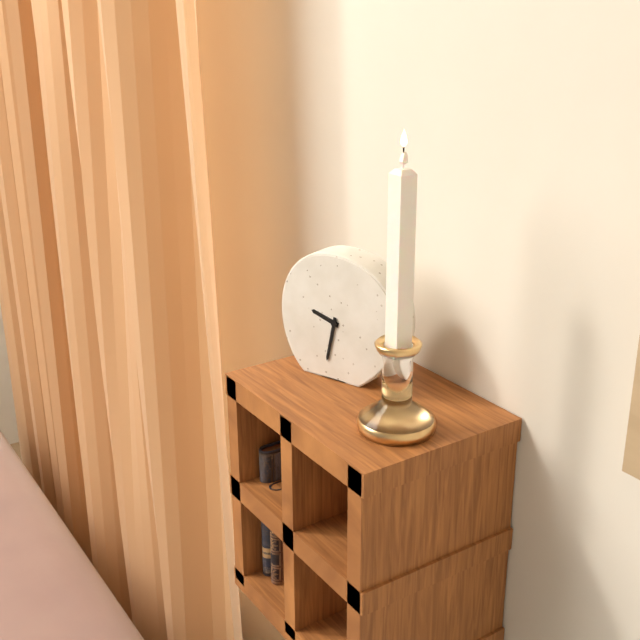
9:32
